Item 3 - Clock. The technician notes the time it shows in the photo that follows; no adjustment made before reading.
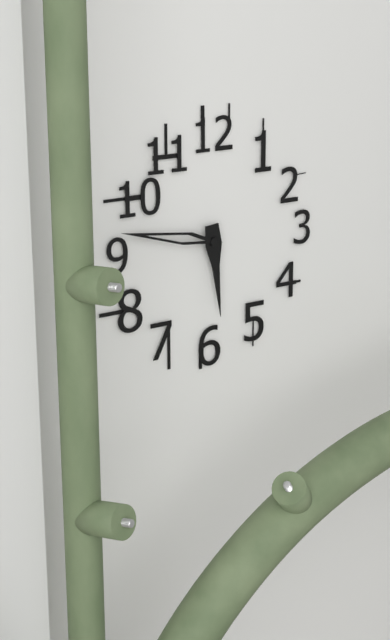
5:47
